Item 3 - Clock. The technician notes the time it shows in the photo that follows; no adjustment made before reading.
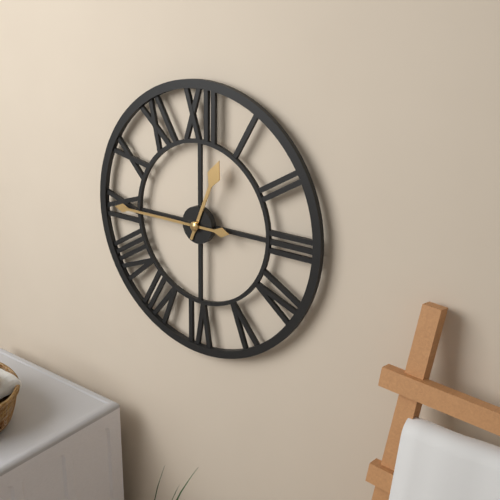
12:45
